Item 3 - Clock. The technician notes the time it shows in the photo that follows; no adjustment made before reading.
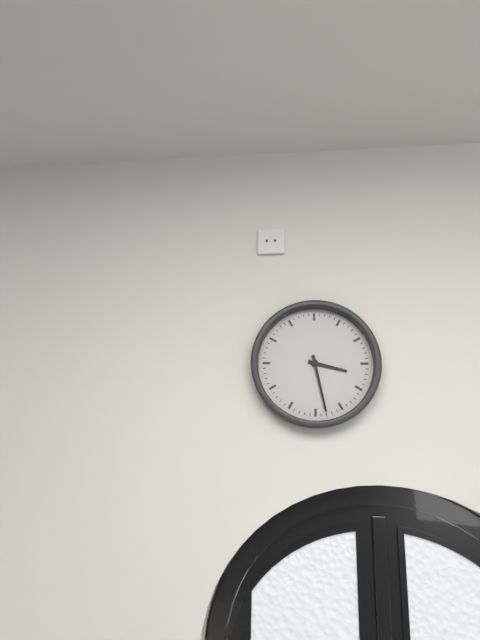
3:28
